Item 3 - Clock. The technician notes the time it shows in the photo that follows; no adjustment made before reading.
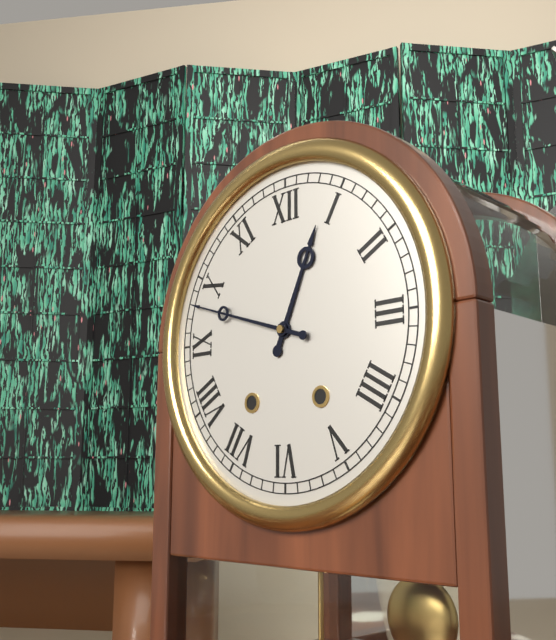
12:48
